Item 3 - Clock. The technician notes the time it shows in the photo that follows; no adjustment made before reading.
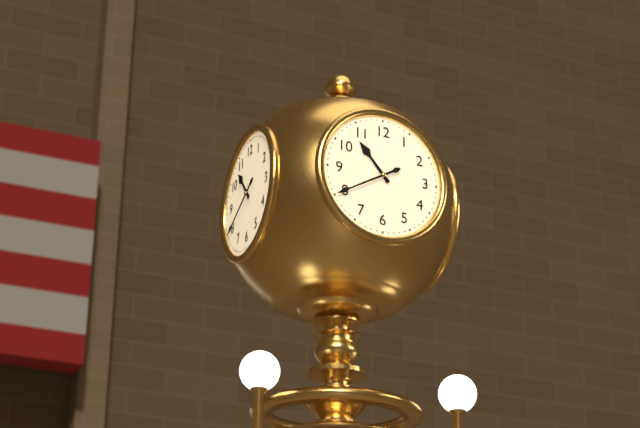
10:40
